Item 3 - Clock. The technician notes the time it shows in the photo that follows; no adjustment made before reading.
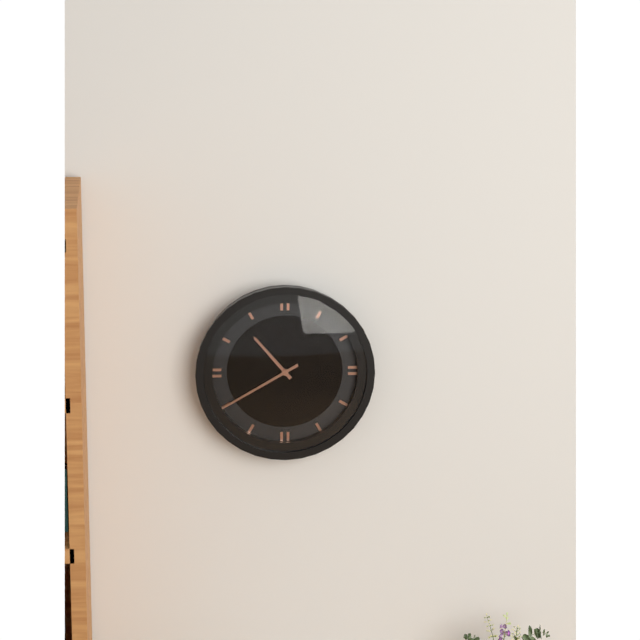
10:40
